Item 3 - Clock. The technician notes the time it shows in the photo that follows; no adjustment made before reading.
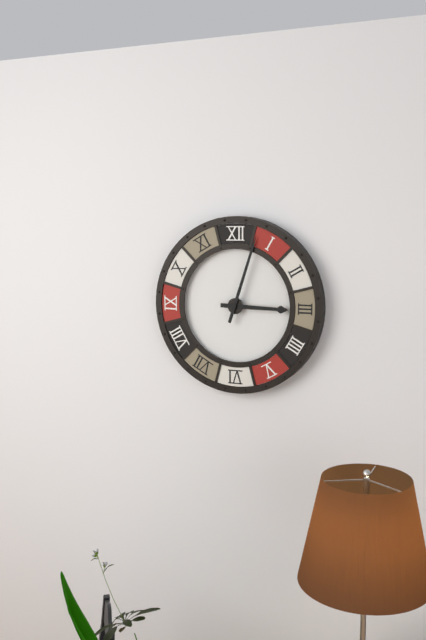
3:03
